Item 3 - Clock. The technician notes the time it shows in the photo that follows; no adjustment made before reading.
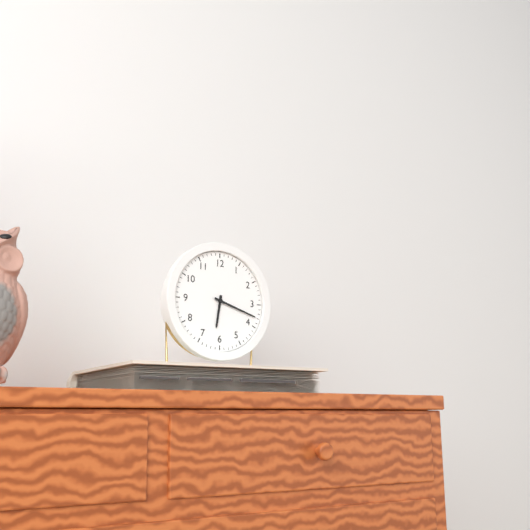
6:18
